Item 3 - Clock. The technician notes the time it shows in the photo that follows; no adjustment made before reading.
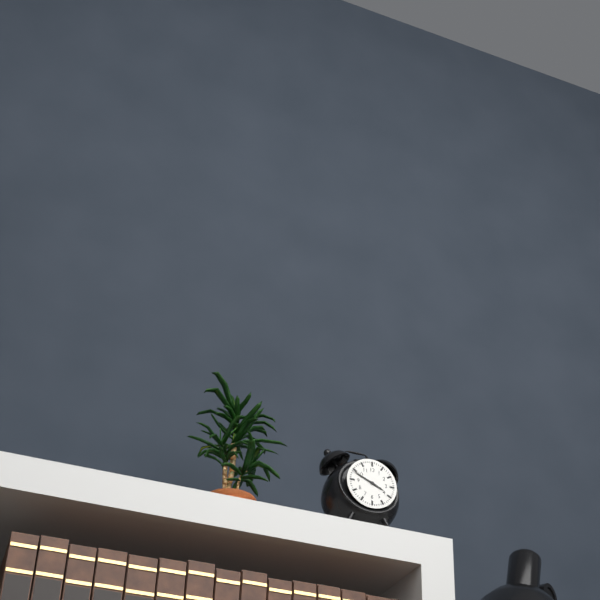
3:49
